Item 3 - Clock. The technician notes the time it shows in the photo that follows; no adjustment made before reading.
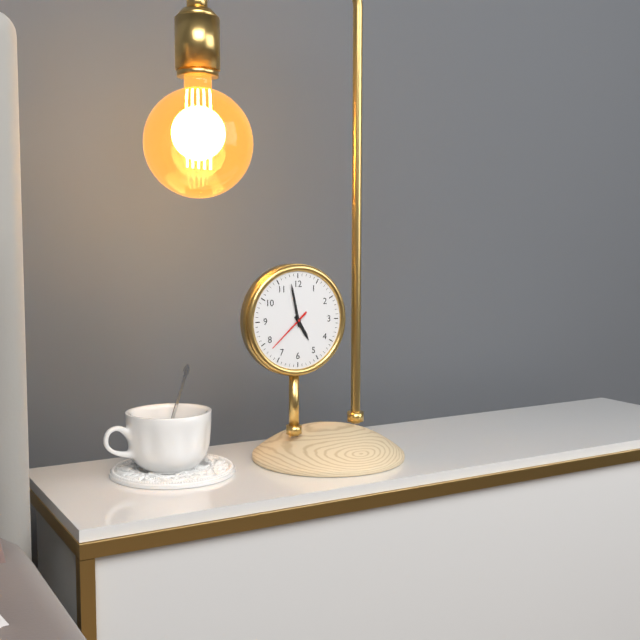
4:58
